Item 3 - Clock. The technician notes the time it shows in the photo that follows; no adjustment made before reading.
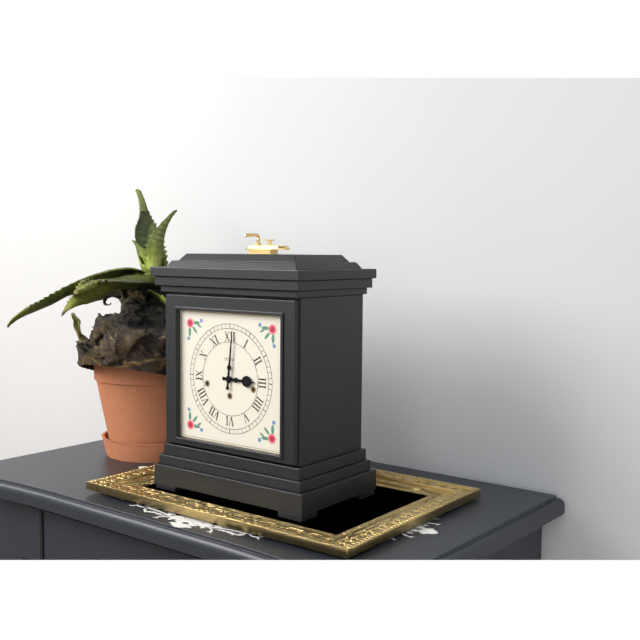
3:01
